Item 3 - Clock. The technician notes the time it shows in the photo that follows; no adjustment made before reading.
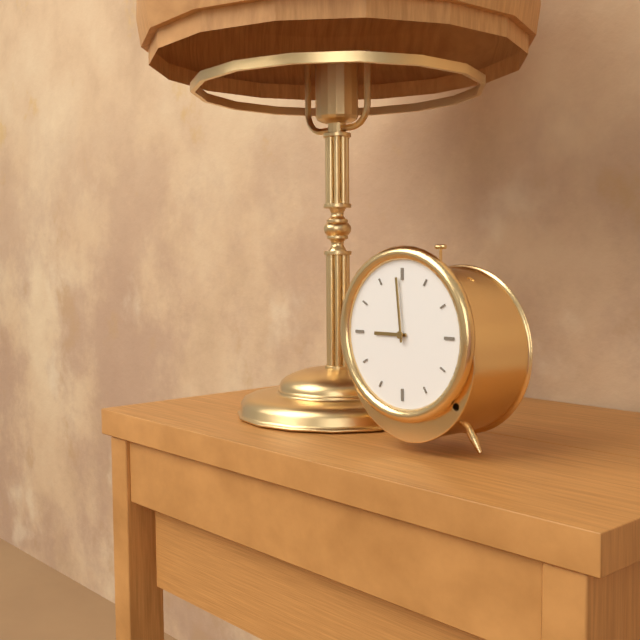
8:59
